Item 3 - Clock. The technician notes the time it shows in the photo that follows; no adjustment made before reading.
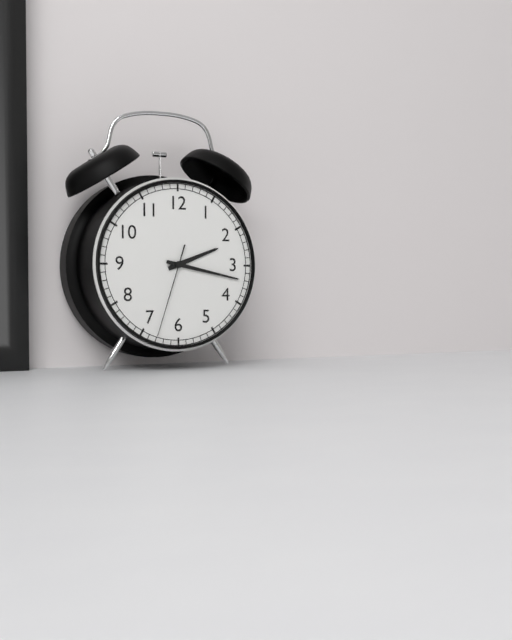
2:17:33
